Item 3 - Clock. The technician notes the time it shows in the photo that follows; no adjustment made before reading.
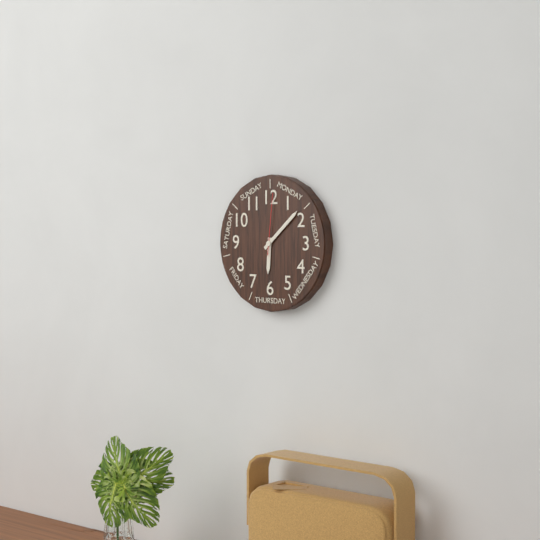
6:08:01
